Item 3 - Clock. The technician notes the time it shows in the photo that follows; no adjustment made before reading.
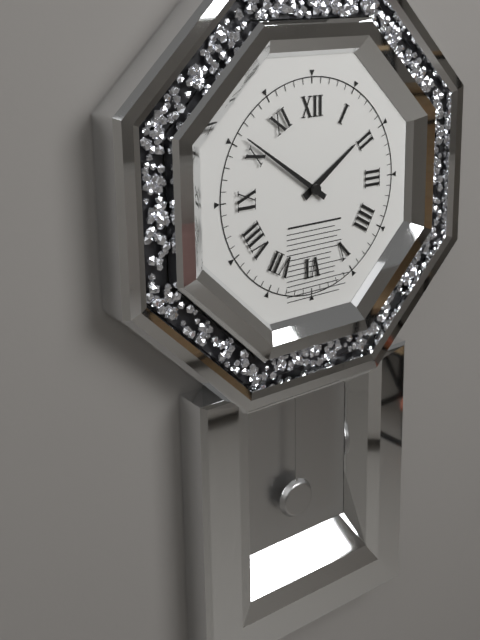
1:51
